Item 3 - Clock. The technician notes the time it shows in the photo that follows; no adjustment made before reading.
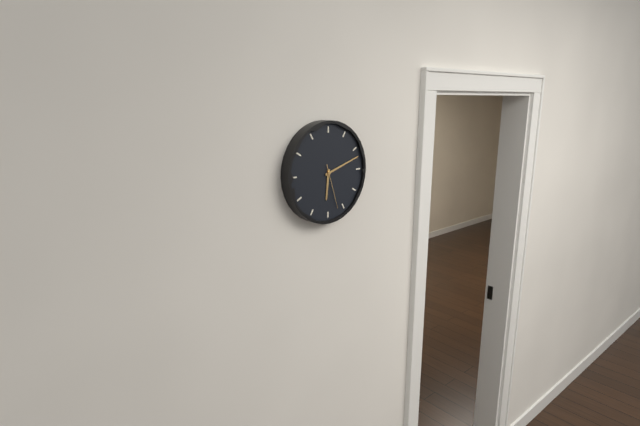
6:12
